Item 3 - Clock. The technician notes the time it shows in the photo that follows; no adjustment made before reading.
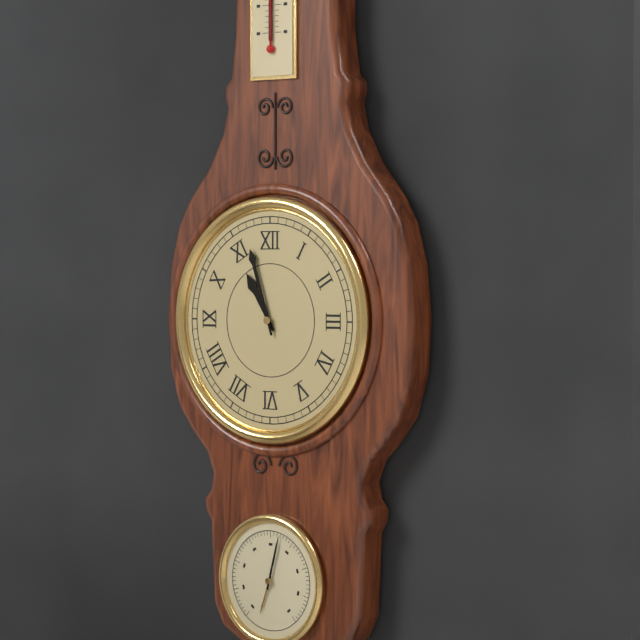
10:57
